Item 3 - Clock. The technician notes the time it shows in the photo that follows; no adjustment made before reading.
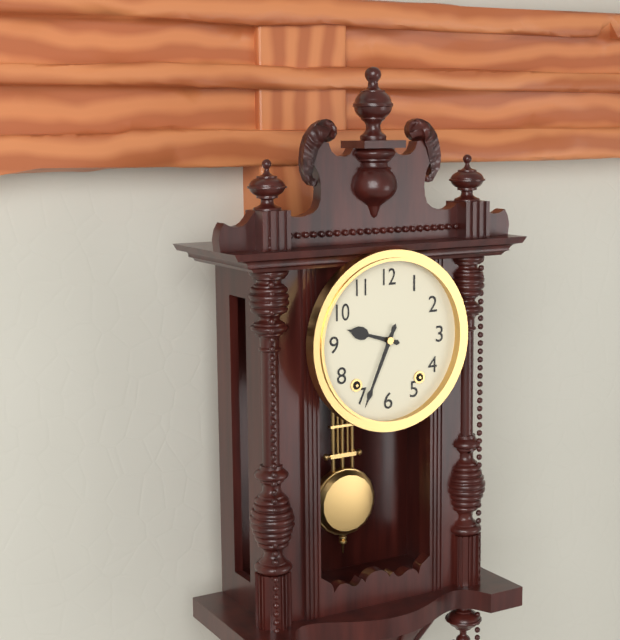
9:34
